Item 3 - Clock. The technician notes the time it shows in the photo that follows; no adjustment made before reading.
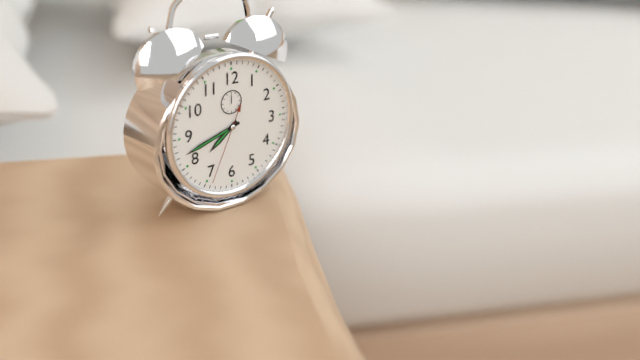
7:42:34
